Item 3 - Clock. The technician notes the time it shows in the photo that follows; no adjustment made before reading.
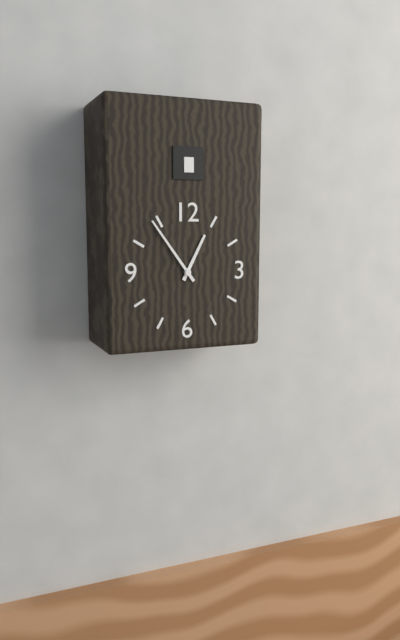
12:54
